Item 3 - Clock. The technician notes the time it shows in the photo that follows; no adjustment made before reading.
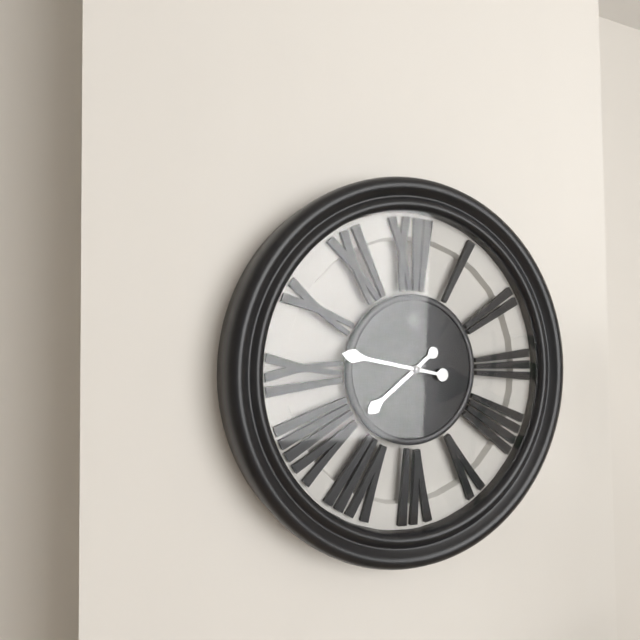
7:47
